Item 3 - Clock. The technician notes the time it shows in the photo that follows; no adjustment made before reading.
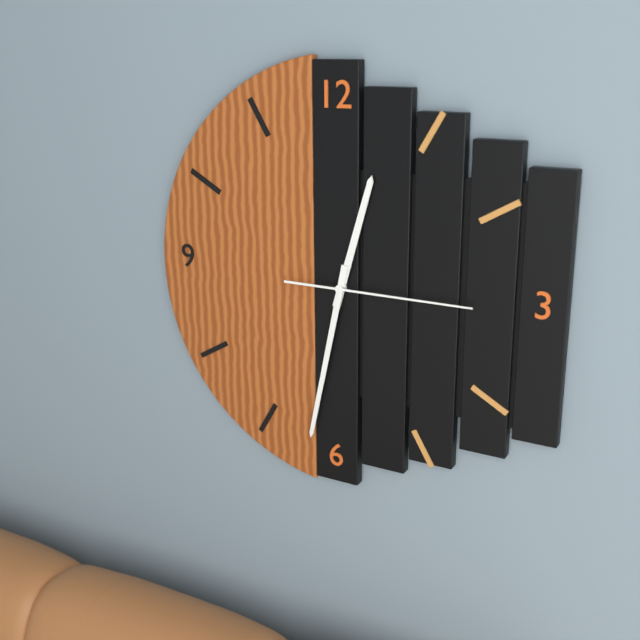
12:32:15
